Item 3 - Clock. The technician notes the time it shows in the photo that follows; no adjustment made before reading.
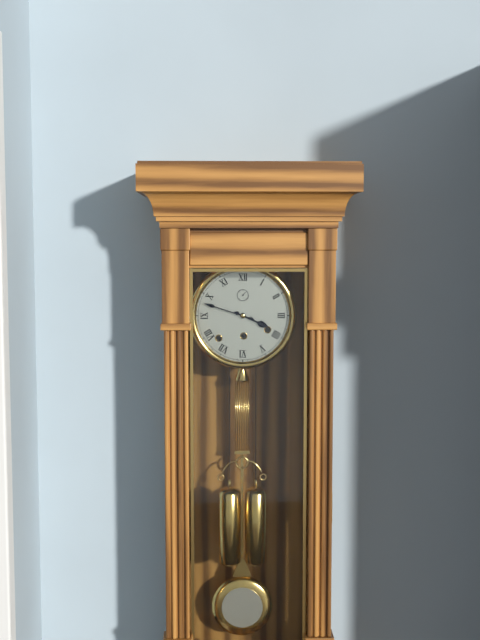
3:48
